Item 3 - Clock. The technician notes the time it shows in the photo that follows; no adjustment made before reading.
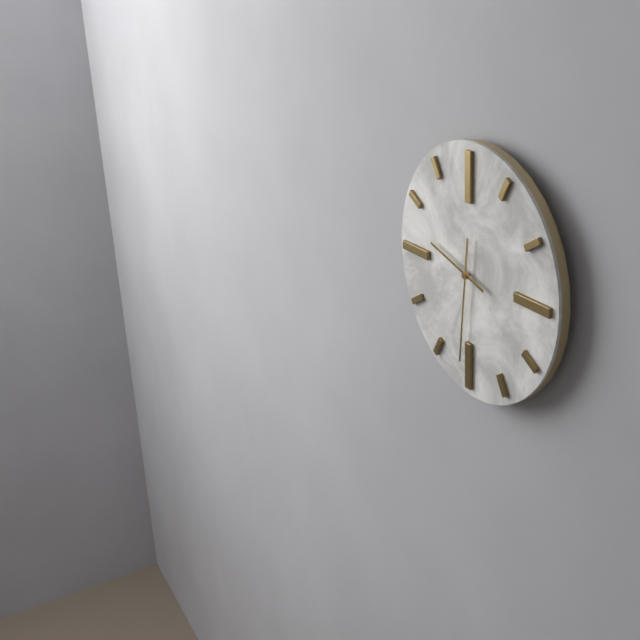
9:31
